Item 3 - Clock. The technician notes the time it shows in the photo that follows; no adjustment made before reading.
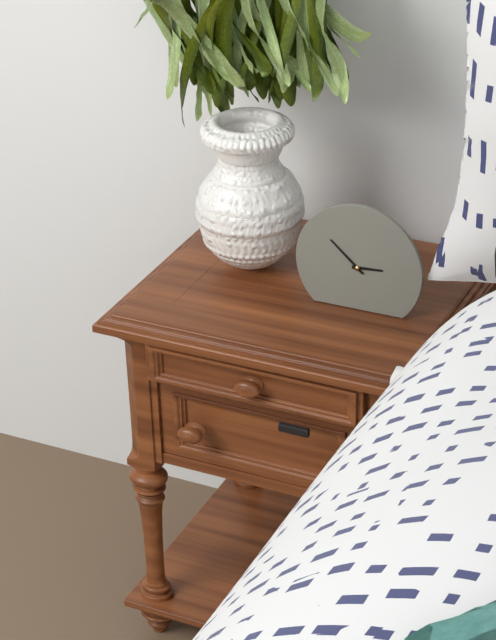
2:52
